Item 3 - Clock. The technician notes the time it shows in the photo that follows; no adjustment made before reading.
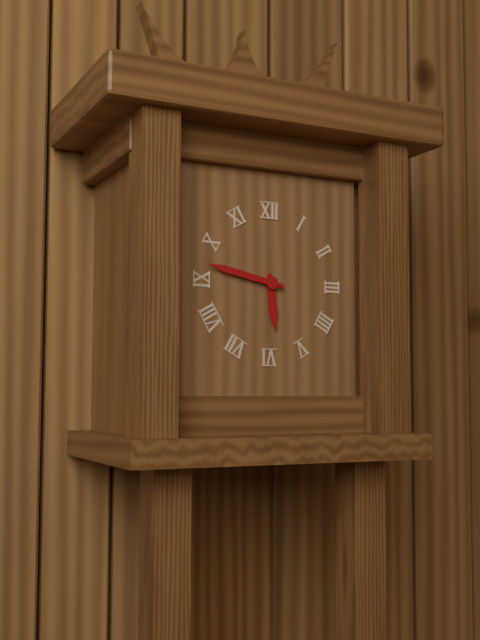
5:47
